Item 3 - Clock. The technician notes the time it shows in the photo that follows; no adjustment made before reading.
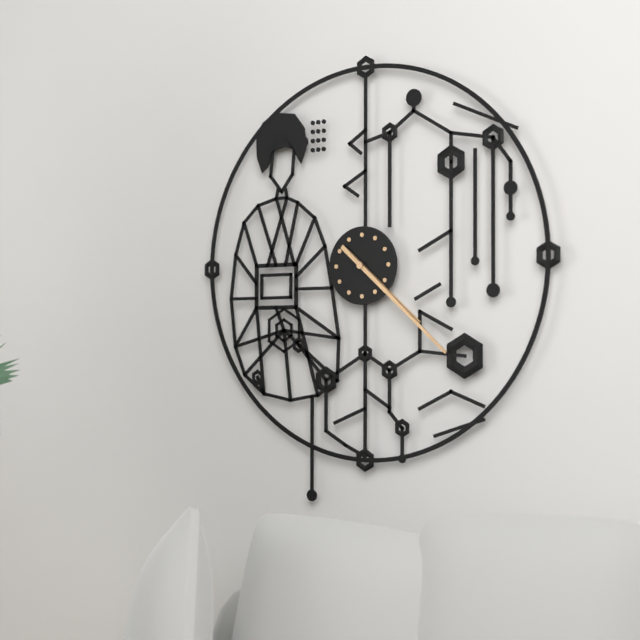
4:22
